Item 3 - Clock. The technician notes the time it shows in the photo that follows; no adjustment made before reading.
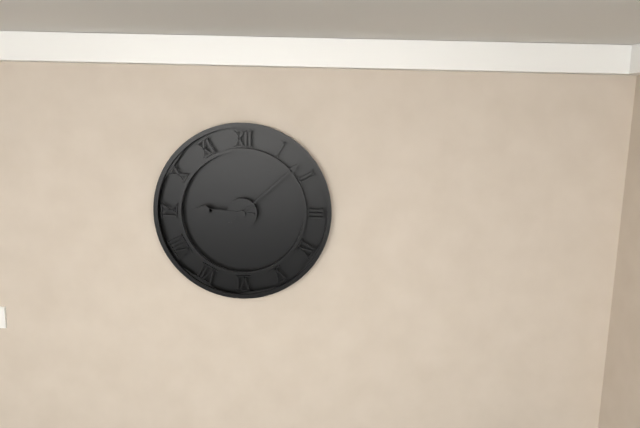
9:08
